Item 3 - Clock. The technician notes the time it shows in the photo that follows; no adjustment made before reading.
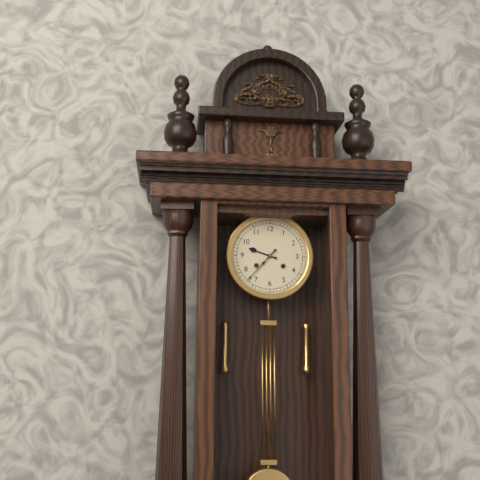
9:37
